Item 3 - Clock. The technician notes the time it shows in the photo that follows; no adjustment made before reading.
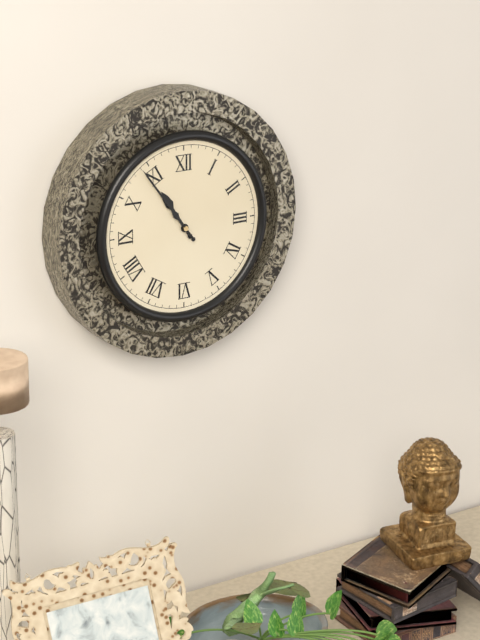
10:54
